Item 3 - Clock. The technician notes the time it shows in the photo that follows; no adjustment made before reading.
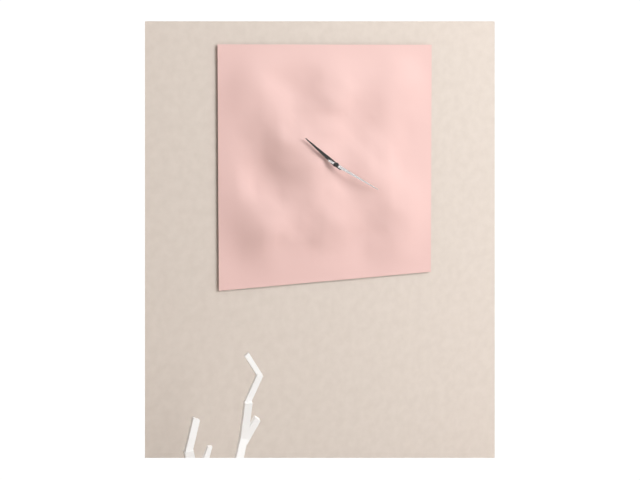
10:20
